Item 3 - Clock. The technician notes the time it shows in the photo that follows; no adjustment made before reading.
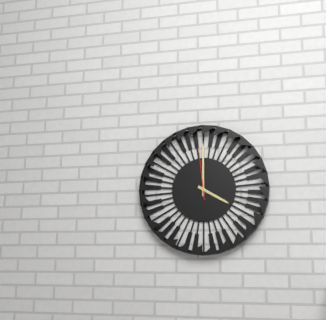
4:00:59
